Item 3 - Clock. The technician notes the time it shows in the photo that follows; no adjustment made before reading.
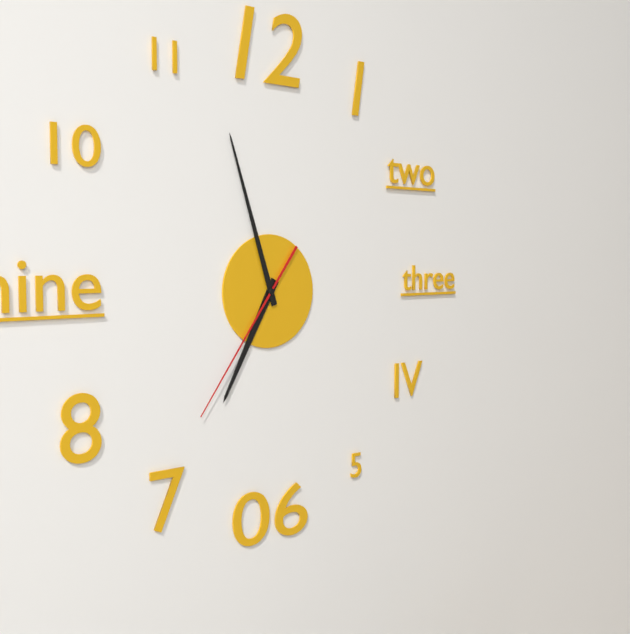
6:57:36
